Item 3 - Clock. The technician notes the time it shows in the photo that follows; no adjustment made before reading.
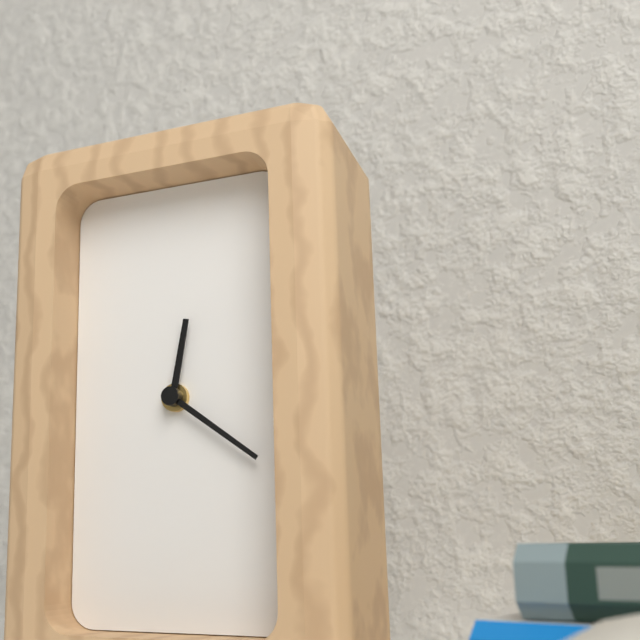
12:21
